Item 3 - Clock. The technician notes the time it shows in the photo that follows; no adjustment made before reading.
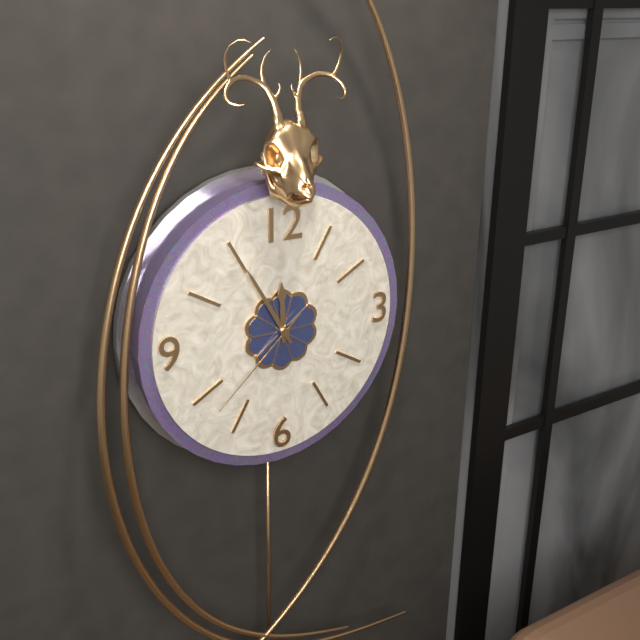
11:55:38
